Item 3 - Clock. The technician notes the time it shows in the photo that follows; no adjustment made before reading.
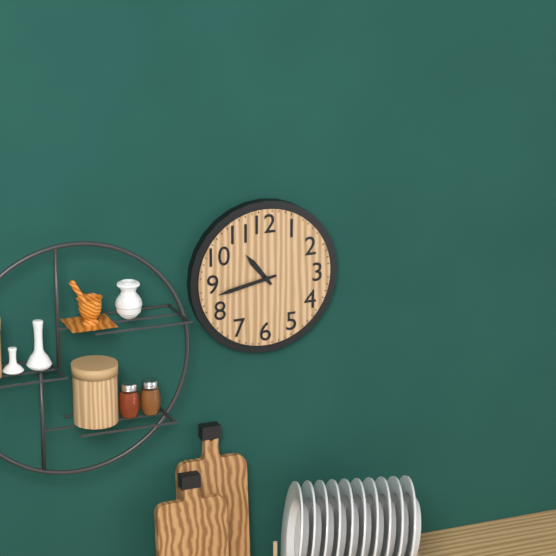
10:43
